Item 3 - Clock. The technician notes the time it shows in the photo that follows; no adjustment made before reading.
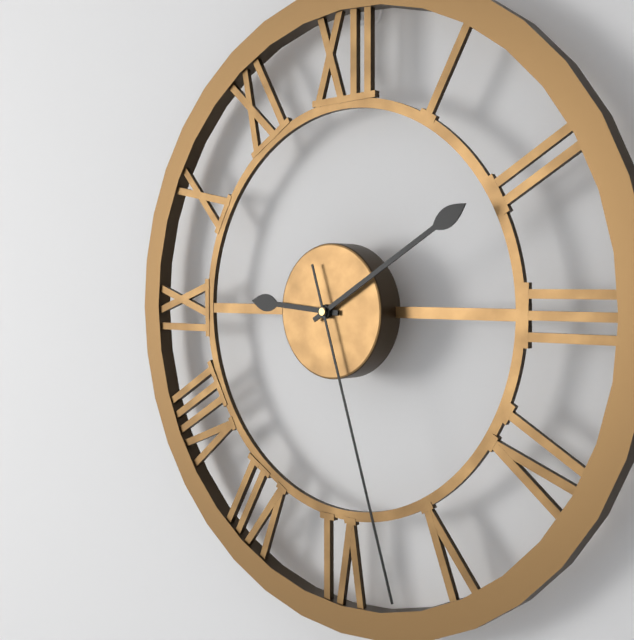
9:10:27
